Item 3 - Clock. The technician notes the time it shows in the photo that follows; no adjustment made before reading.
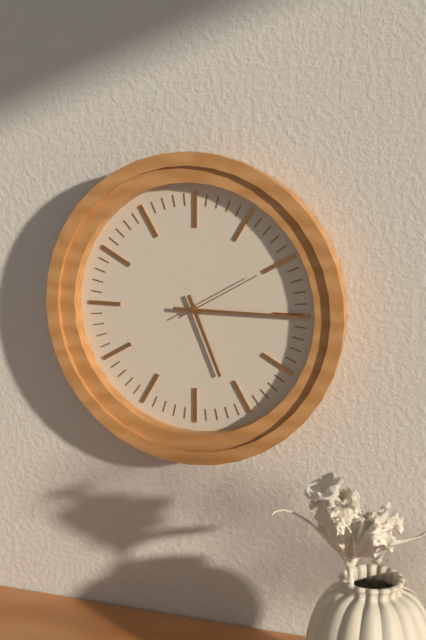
5:15:10
